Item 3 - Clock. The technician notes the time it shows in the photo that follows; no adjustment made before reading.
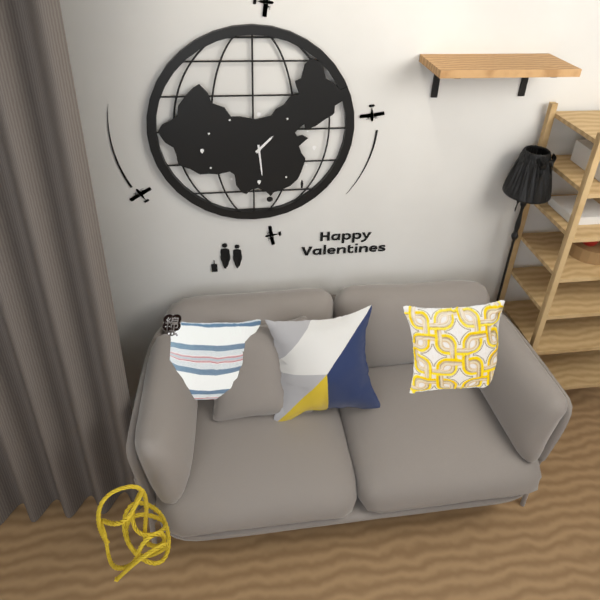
1:29
